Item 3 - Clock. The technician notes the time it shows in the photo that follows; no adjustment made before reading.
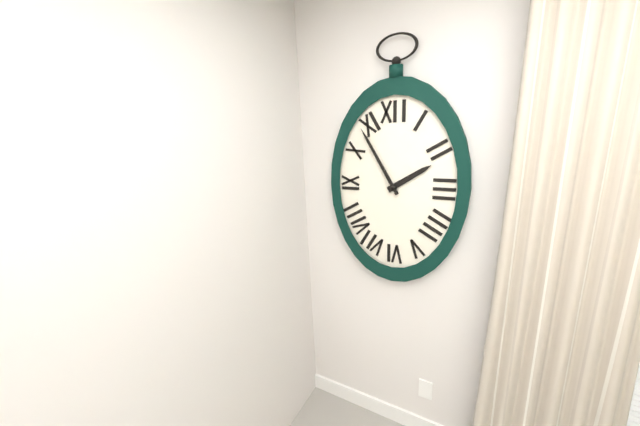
1:55
